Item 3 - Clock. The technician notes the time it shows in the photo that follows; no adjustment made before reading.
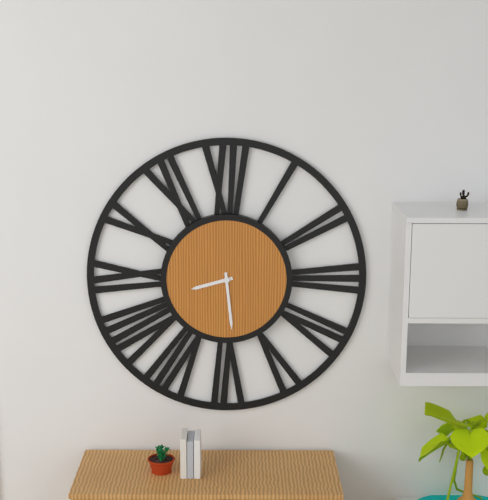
8:29
